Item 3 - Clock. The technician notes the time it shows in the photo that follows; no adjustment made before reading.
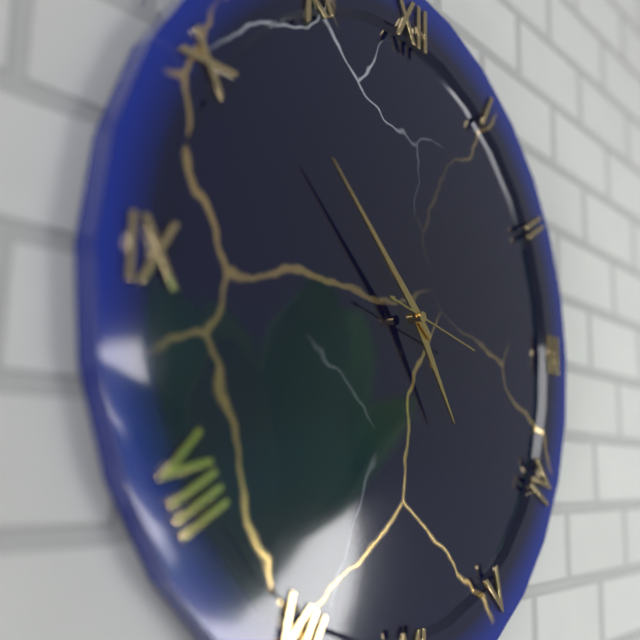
4:52:17
